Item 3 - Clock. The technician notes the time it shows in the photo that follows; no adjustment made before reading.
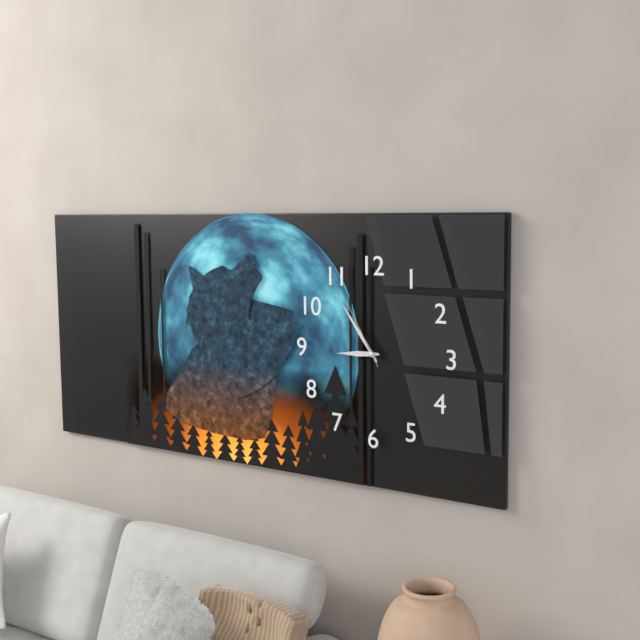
8:54:55
